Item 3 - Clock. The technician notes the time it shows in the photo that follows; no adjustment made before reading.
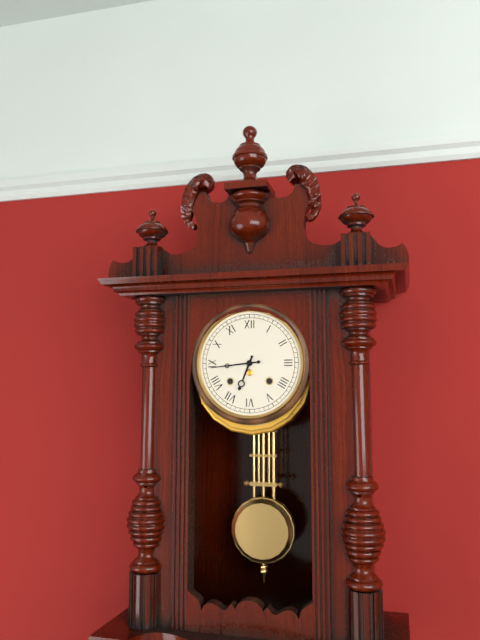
6:44
